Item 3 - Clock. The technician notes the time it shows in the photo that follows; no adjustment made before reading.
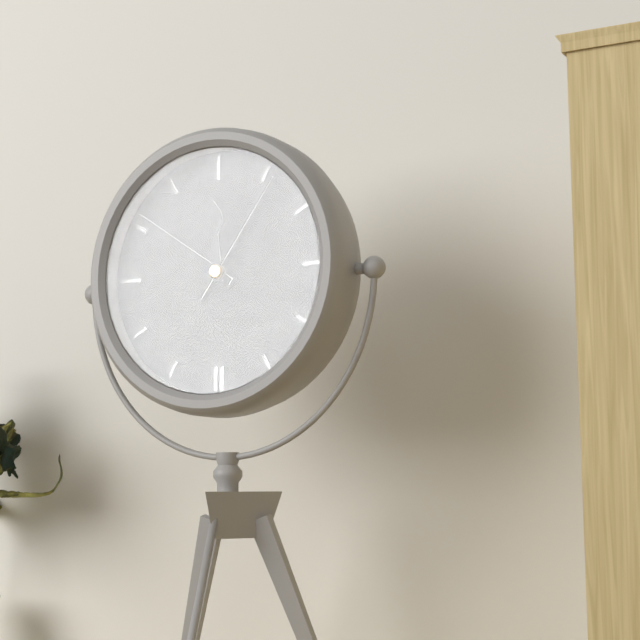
11:51:06
